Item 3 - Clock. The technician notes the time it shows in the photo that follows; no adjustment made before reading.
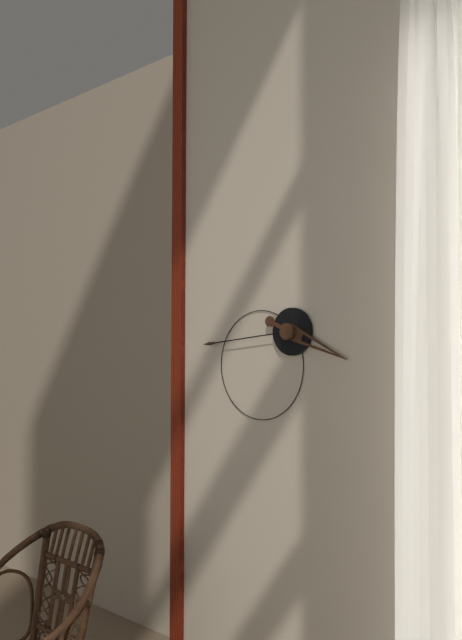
3:44
